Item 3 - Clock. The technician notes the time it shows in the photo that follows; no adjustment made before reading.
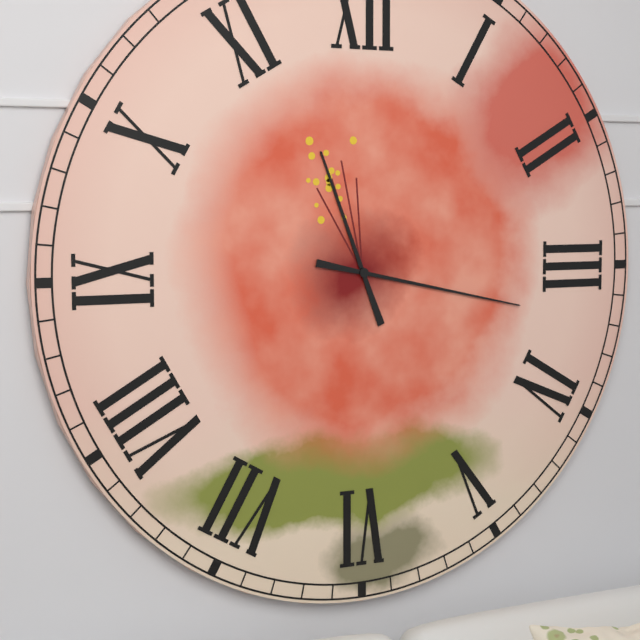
11:17
